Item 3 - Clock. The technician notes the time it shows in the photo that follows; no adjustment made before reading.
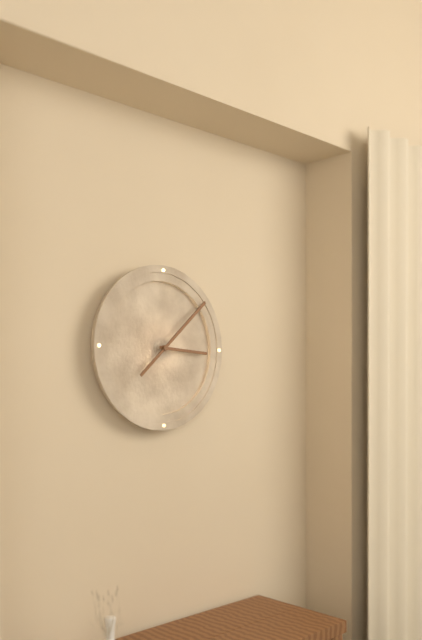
3:08
